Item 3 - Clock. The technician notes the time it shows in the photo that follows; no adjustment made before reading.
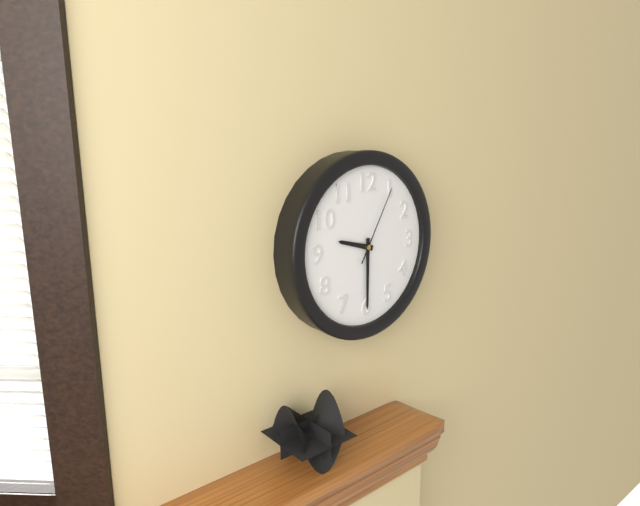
9:30:05
